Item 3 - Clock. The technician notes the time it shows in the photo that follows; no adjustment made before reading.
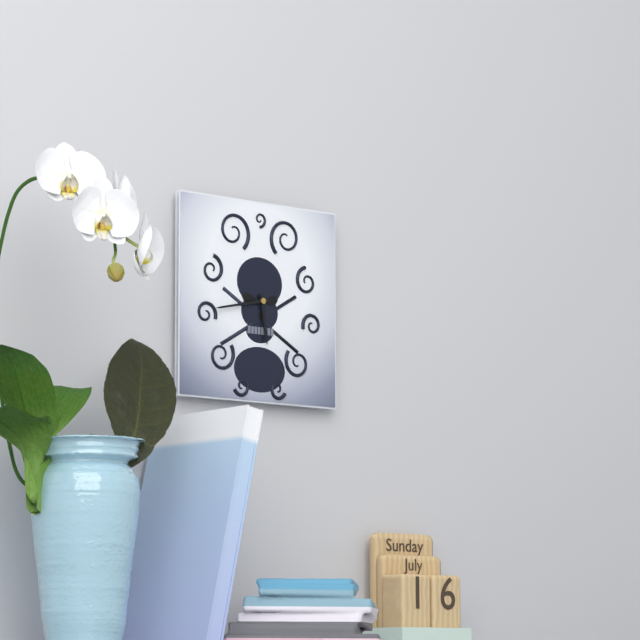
5:43
